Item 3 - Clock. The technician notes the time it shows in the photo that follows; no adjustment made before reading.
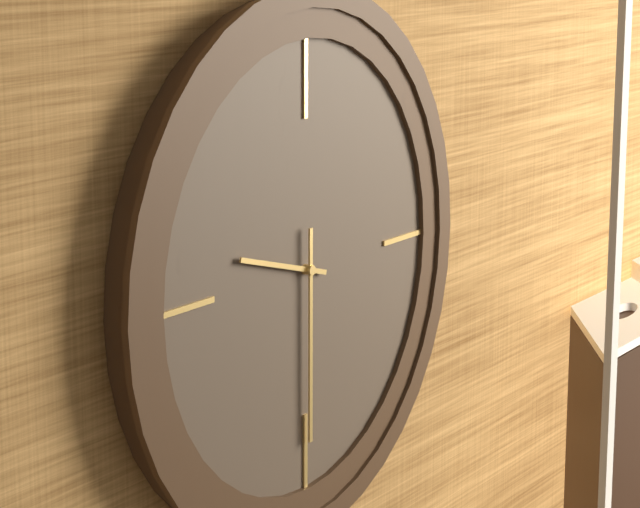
9:30
